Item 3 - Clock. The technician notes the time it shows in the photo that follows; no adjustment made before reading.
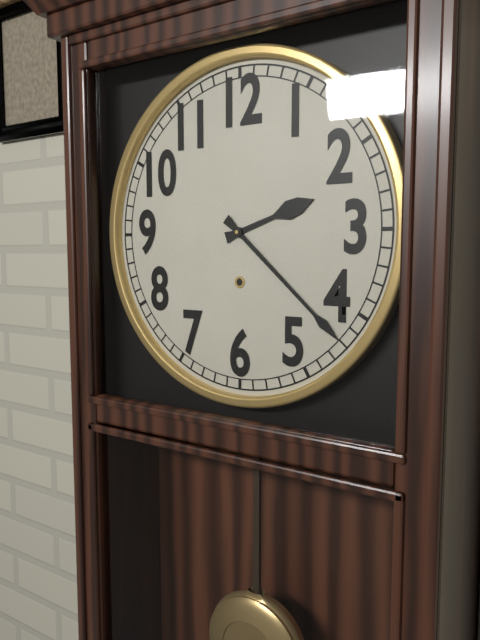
2:22
